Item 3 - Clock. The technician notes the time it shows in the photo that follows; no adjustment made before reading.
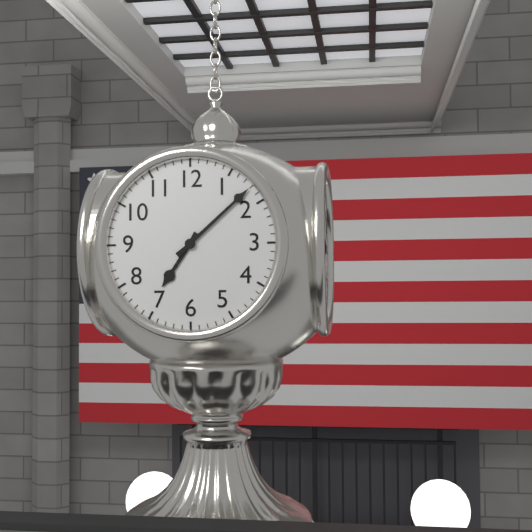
7:08
